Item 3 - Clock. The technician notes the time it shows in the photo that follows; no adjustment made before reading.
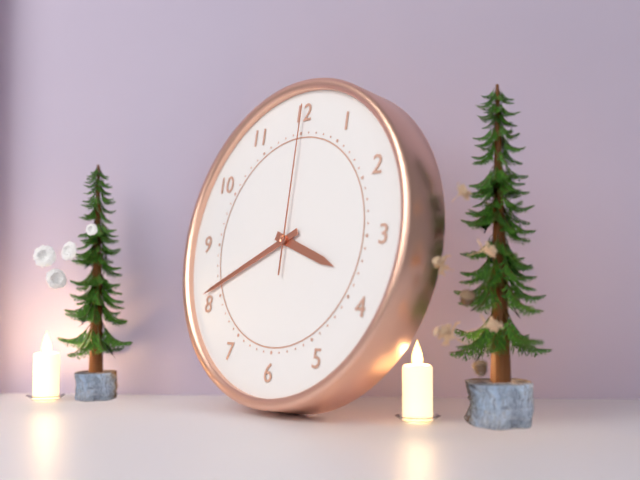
3:41:00
